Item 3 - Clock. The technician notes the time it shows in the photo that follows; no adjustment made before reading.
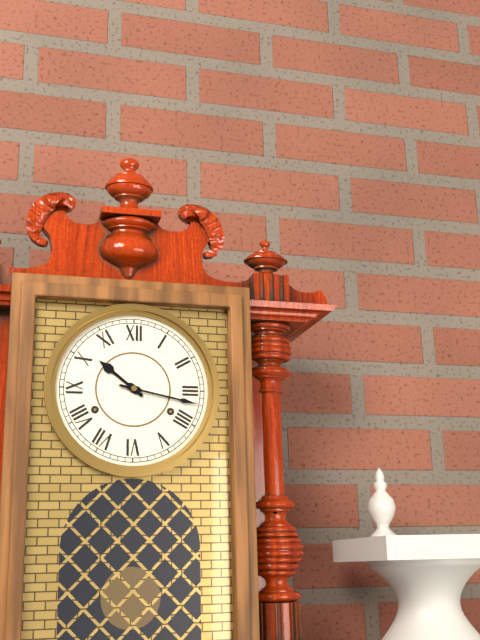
10:17
